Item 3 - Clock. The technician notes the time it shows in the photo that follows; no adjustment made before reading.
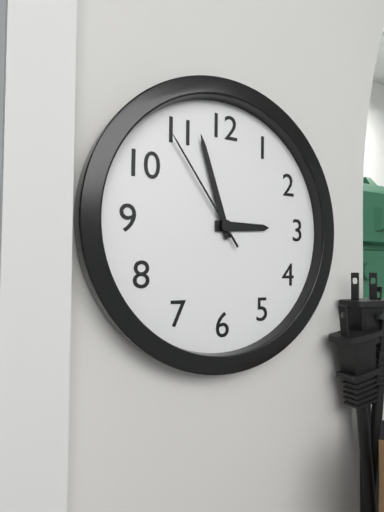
2:57:54
